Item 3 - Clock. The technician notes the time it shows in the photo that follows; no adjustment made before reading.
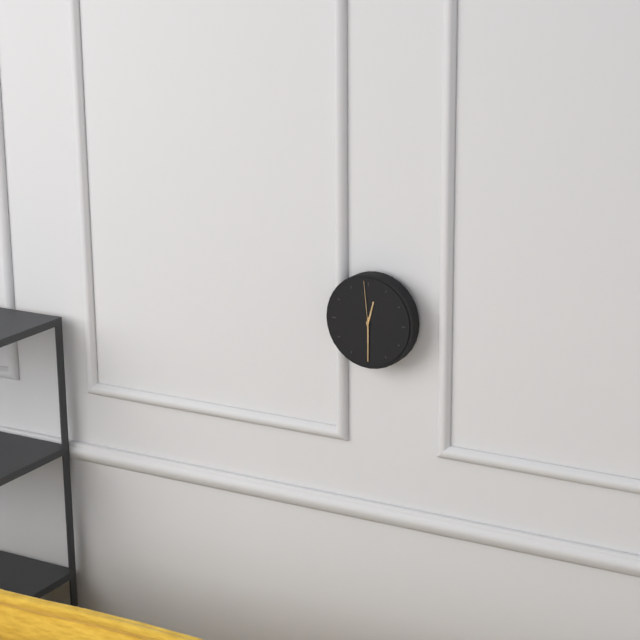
12:30:59
